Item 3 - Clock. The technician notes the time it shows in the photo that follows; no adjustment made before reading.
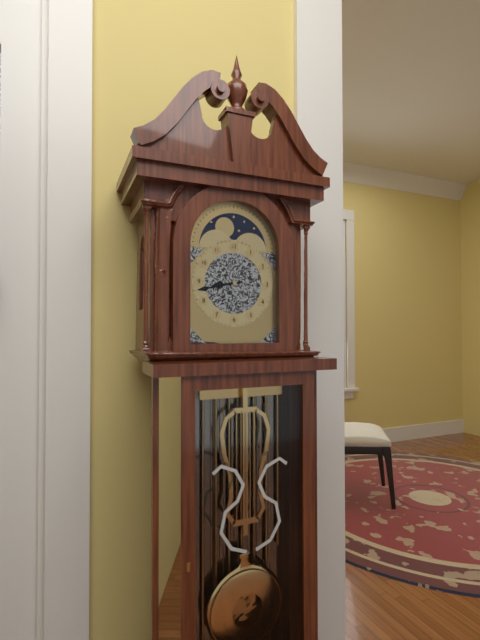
8:43
